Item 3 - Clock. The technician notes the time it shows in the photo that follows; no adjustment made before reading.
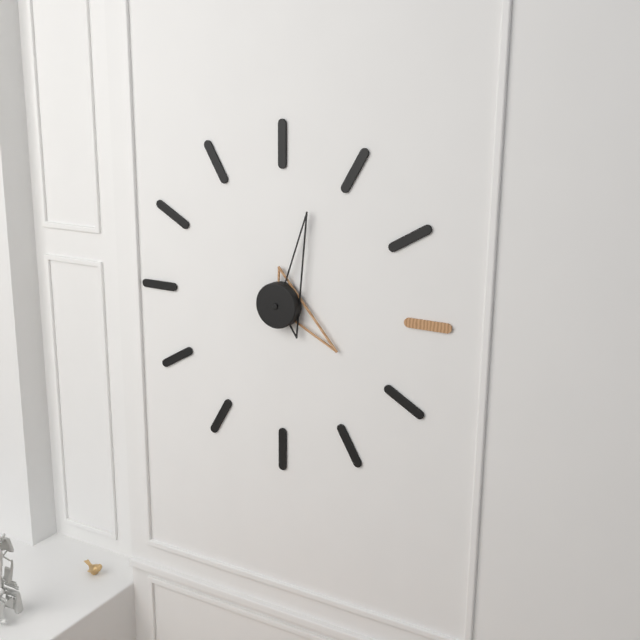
4:03
